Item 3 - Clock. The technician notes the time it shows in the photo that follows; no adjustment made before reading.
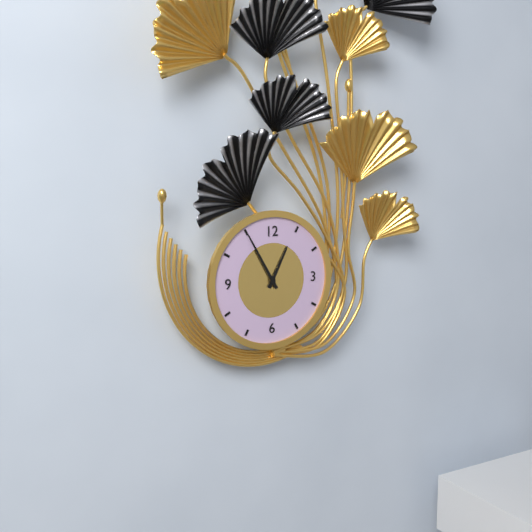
12:55
